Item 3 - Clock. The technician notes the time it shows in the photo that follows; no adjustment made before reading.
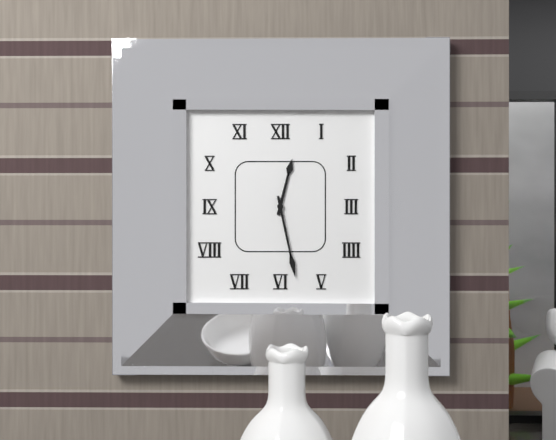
12:28
